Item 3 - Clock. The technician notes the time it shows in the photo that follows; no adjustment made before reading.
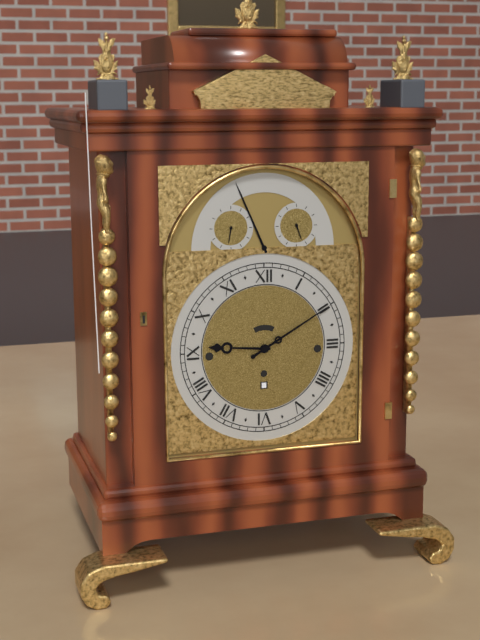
9:10
